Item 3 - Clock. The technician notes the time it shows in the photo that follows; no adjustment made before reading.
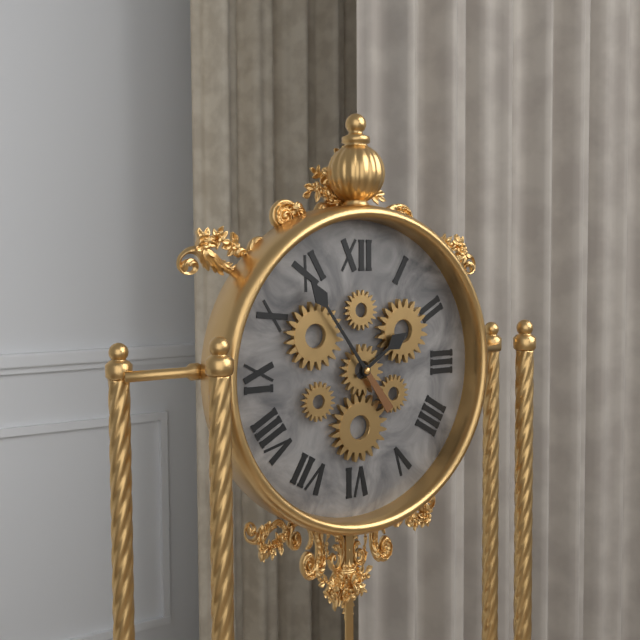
1:54
